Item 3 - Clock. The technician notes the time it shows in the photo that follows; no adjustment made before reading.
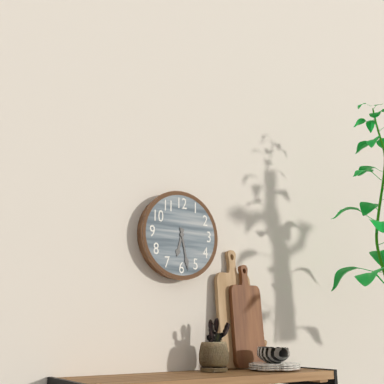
6:28
